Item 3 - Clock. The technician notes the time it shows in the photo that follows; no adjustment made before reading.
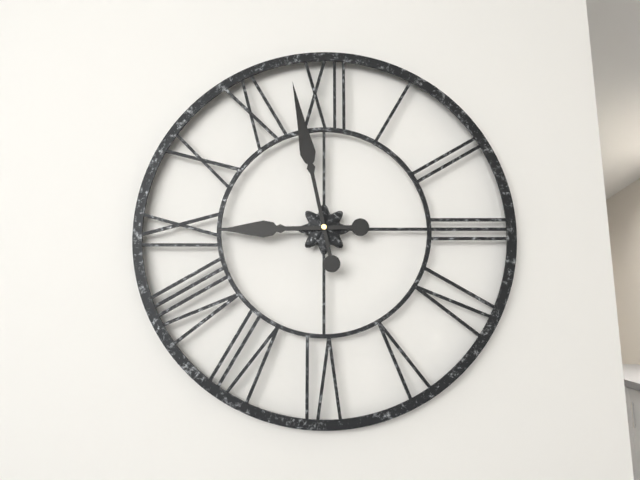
8:58
